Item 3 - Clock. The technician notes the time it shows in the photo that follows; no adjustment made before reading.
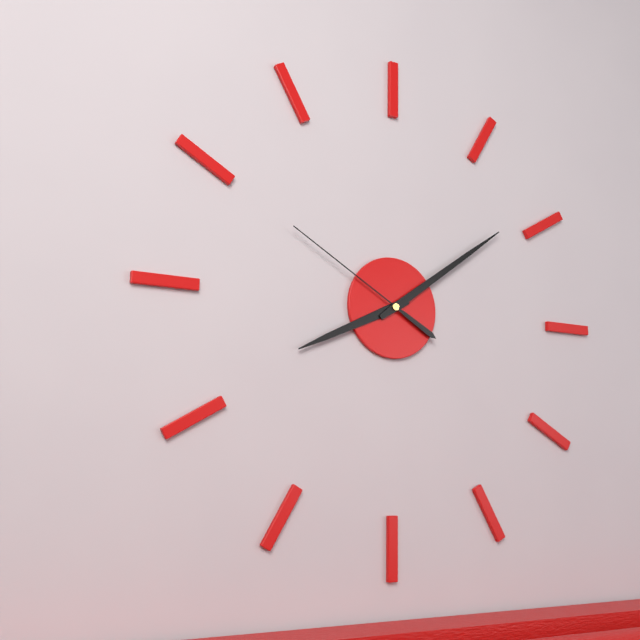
8:09:50
